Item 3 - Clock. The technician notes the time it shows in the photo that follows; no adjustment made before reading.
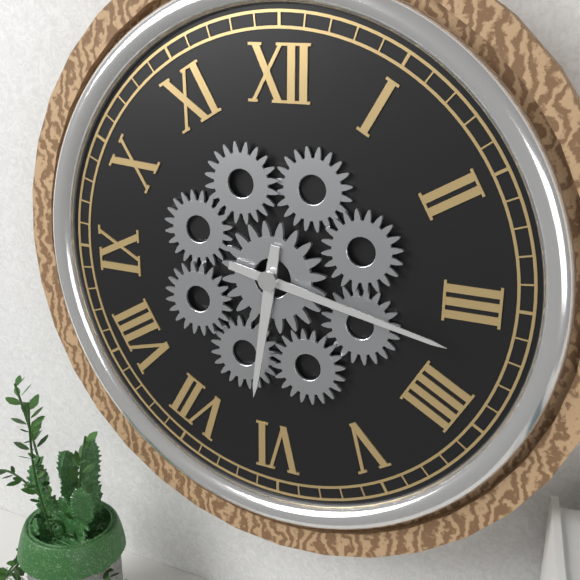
6:17
